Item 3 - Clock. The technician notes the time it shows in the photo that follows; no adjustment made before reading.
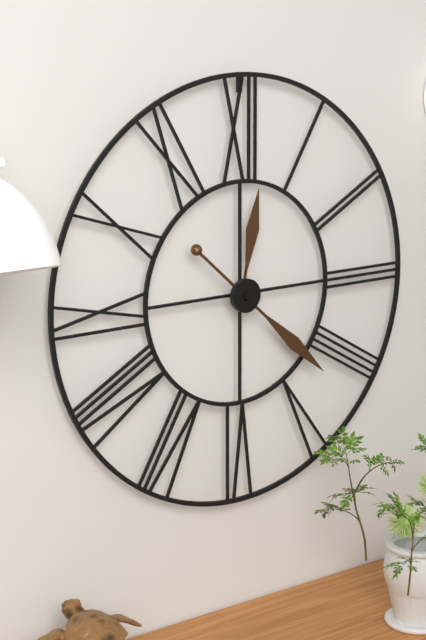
12:22
